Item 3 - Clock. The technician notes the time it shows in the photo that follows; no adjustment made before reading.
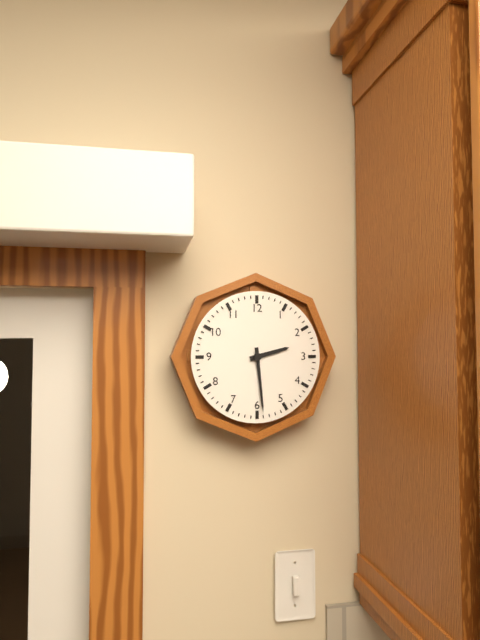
2:29
